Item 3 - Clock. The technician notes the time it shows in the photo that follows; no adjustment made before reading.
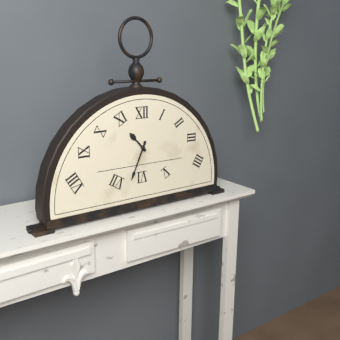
10:34
